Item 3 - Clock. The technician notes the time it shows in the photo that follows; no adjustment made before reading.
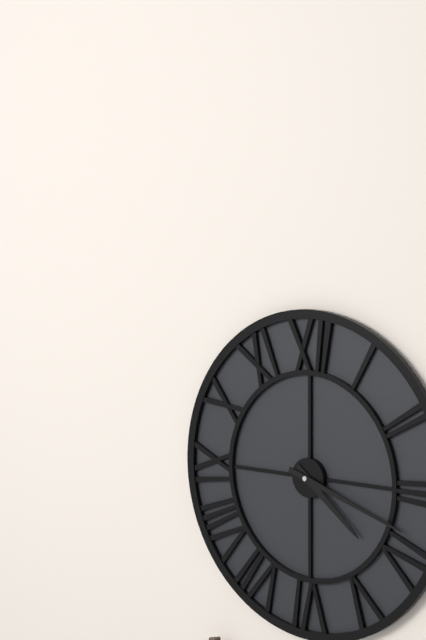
4:18
